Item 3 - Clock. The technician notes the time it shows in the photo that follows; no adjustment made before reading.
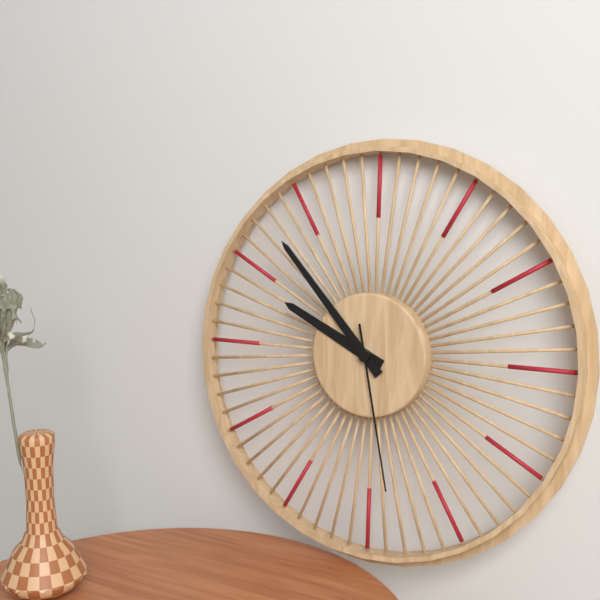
9:53:28
